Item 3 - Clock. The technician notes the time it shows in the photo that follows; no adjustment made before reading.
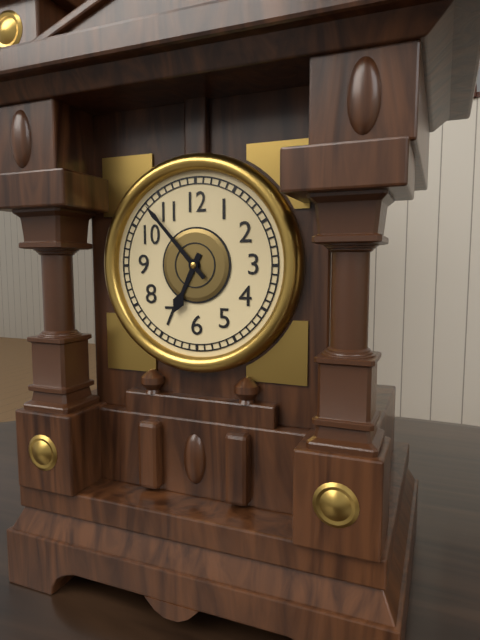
6:53
